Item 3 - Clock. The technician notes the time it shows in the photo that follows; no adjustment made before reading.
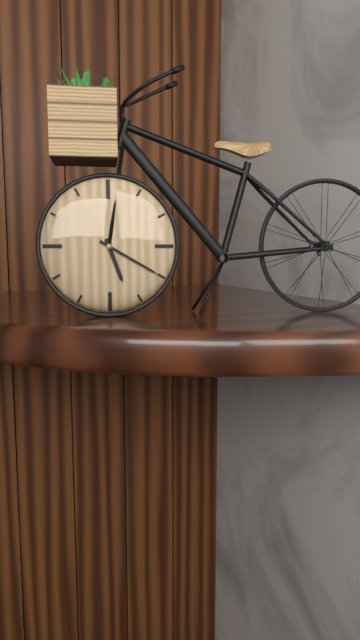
5:20
